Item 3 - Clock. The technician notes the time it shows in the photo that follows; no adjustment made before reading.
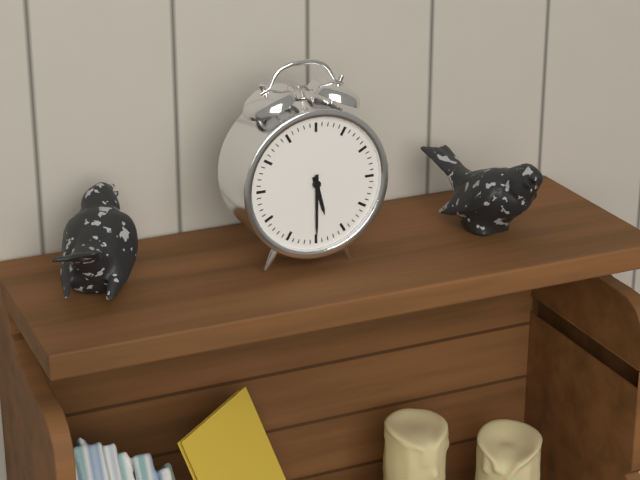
5:30
